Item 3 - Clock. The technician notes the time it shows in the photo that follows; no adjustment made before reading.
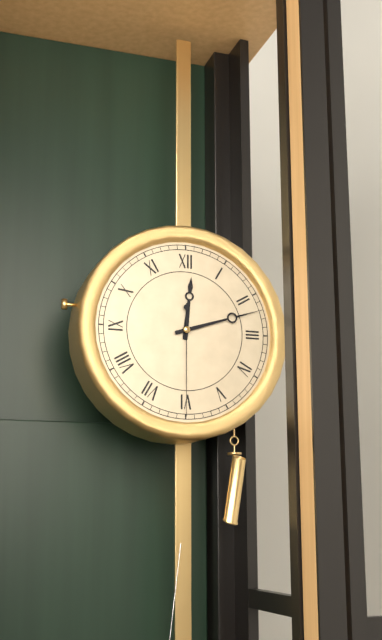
12:12:30
